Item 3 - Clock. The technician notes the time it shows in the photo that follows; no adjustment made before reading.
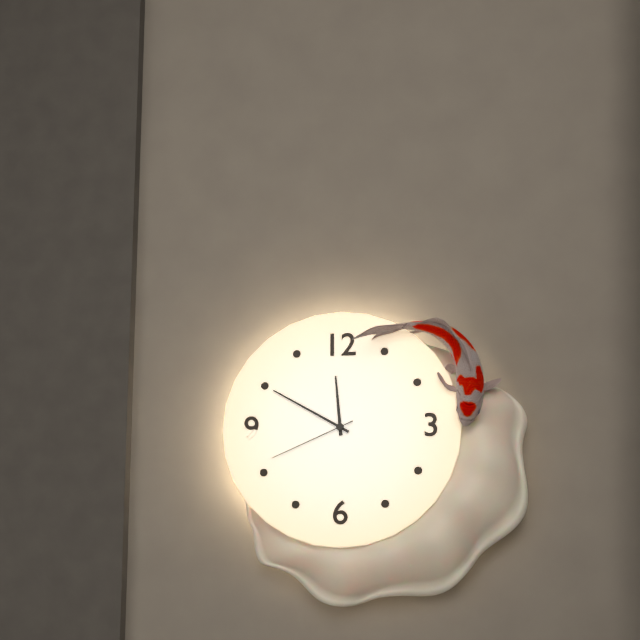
11:50:41
